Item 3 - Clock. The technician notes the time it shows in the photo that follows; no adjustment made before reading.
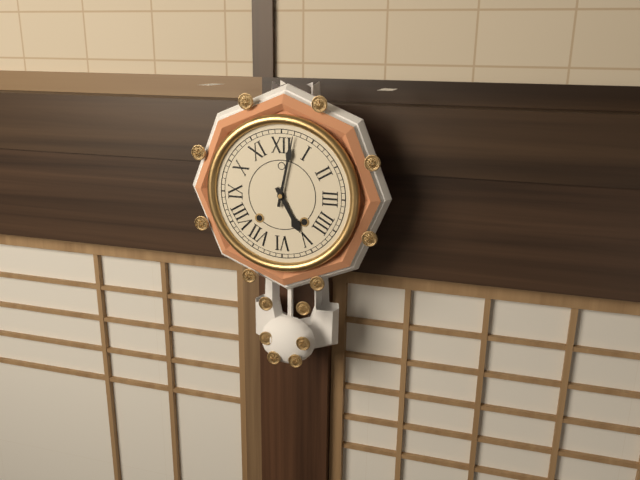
5:02
